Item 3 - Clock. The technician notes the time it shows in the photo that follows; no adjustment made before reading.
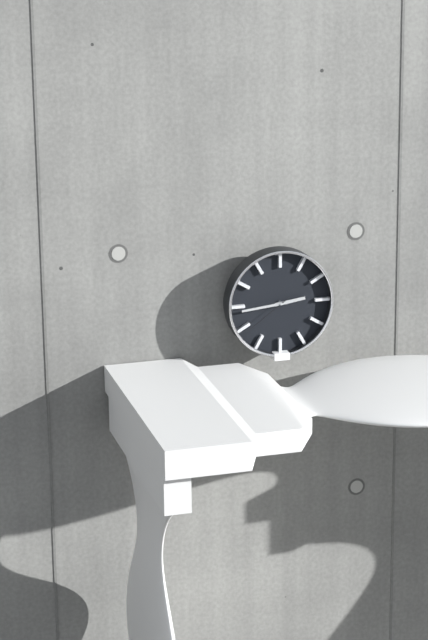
2:44:39
